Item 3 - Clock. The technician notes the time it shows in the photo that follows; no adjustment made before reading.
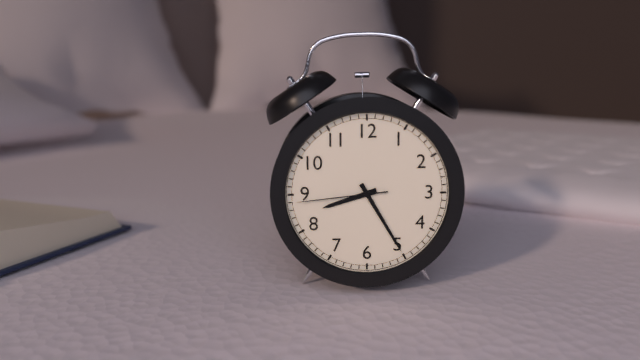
8:25:44
